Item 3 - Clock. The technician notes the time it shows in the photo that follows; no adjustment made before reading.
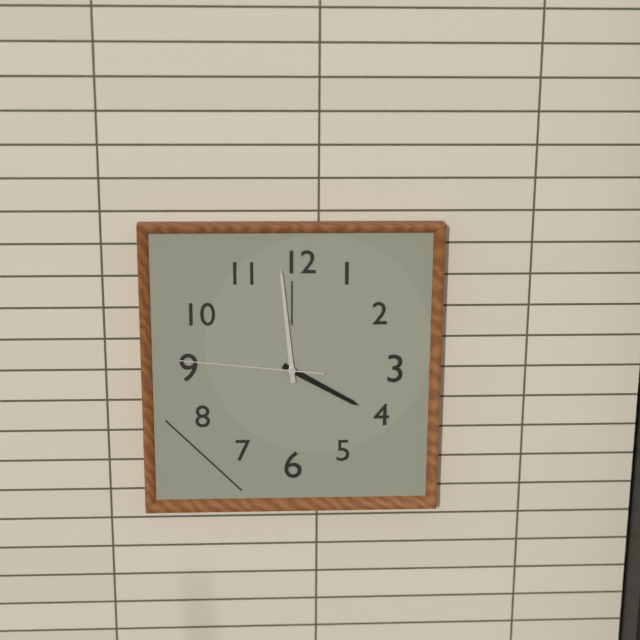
3:59:46
